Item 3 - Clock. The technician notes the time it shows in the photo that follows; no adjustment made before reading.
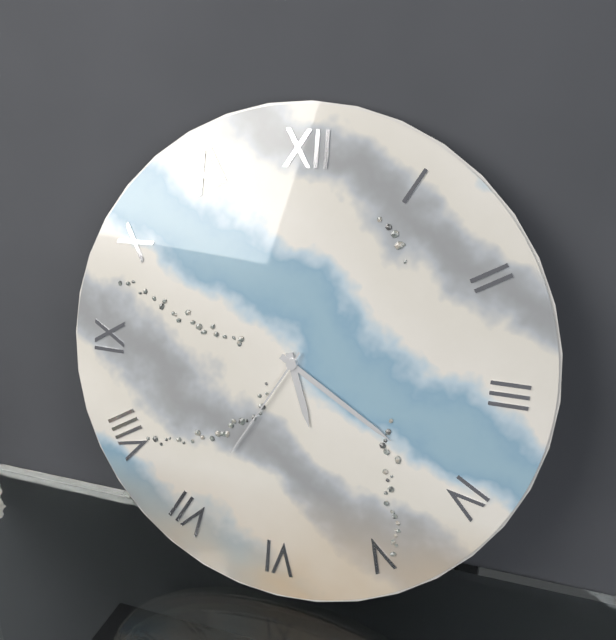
5:20:35
